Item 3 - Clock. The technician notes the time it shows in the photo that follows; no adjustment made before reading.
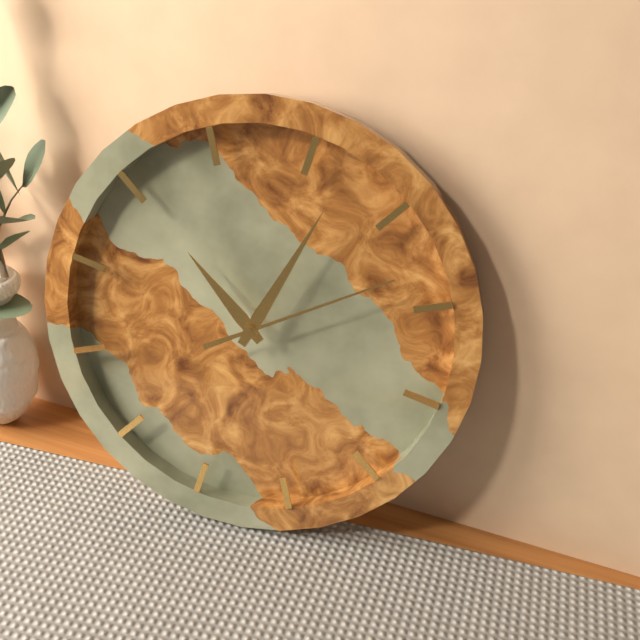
10:02:08
